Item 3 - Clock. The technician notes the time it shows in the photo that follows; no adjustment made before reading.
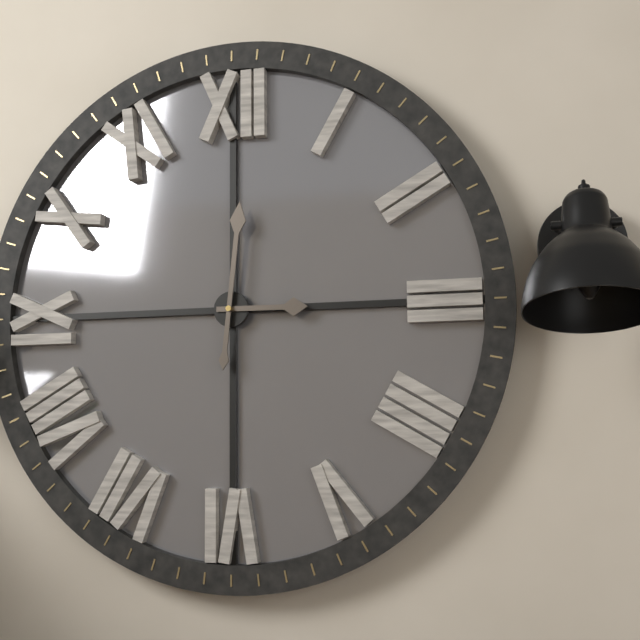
3:01
